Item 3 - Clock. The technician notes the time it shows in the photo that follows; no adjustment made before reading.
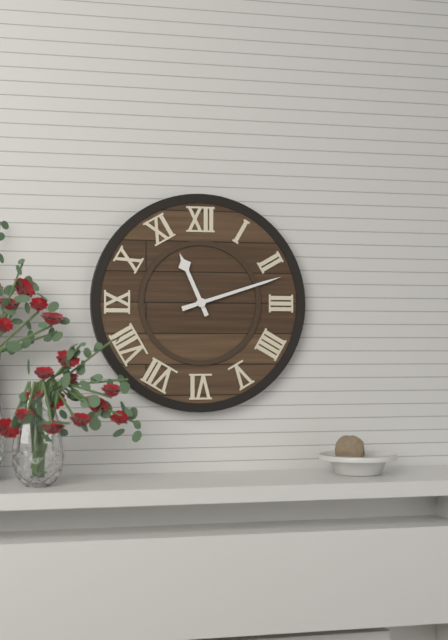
11:12
